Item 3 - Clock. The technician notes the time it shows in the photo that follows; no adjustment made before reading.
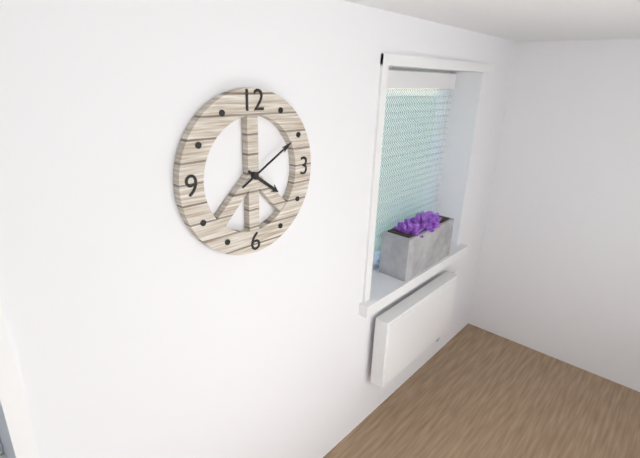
4:10
